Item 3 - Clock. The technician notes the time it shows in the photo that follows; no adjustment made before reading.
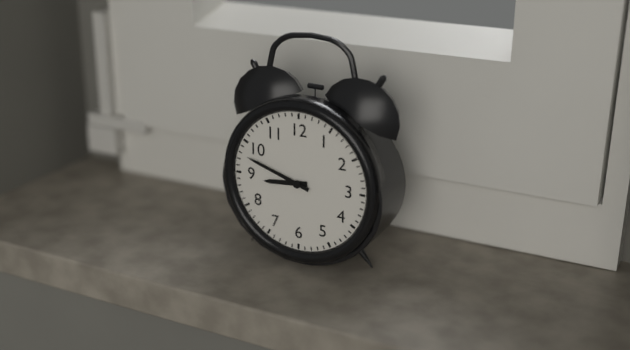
8:48
